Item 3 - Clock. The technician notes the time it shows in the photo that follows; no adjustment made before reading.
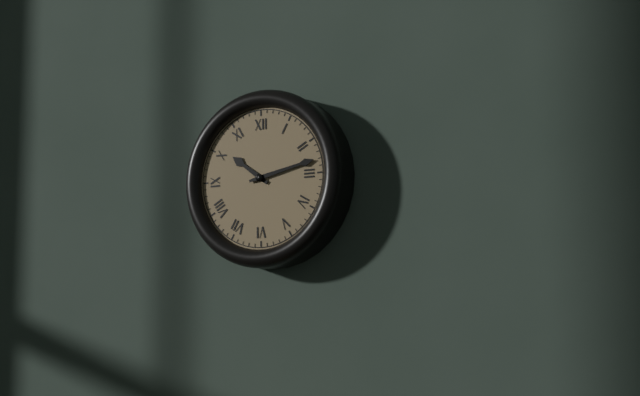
10:13
